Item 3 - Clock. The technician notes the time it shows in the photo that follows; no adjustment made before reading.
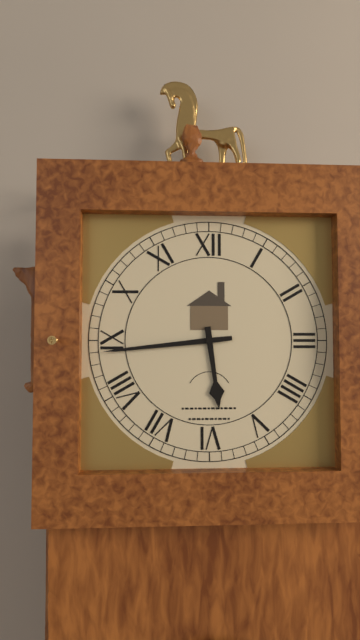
5:44
